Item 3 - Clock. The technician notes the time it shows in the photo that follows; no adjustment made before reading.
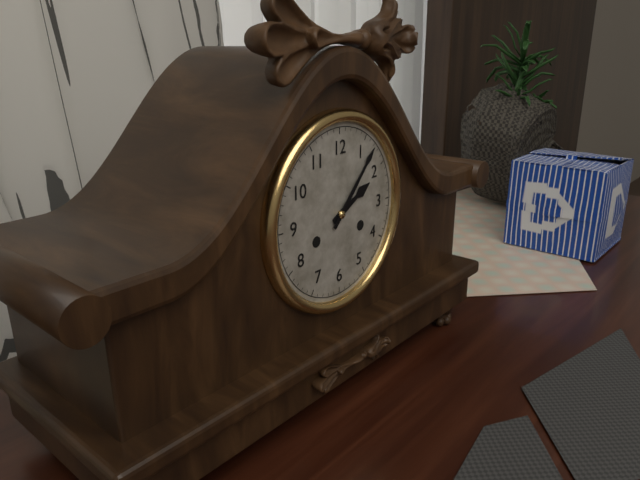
2:07
